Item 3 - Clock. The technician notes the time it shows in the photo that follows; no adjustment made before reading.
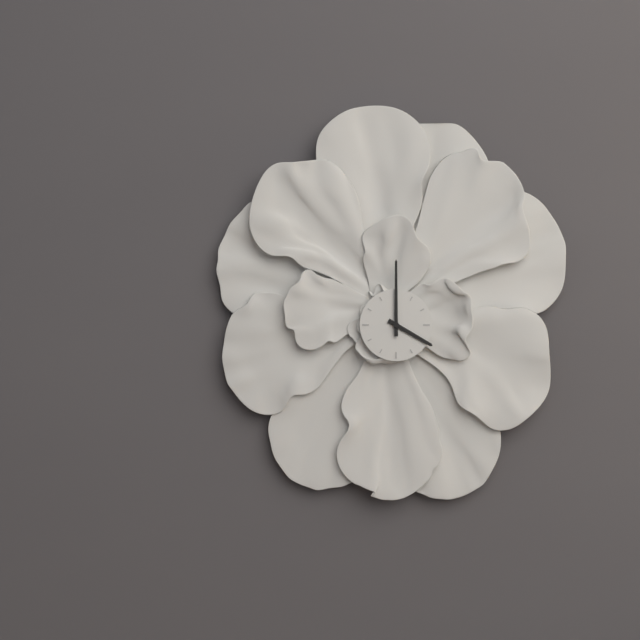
4:00
